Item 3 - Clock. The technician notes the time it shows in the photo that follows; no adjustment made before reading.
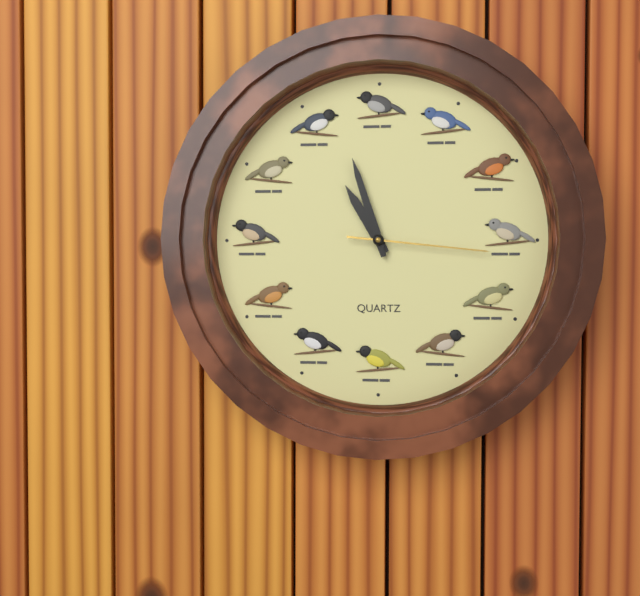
10:57:16
